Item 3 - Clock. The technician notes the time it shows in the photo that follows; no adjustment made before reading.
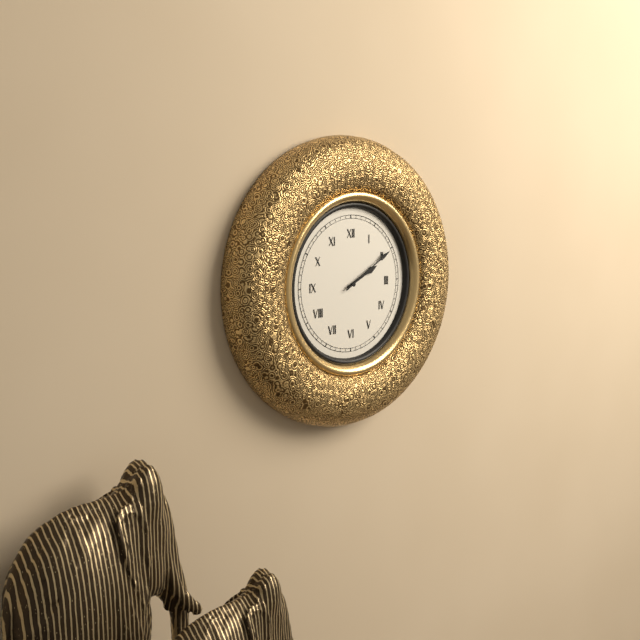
2:10
